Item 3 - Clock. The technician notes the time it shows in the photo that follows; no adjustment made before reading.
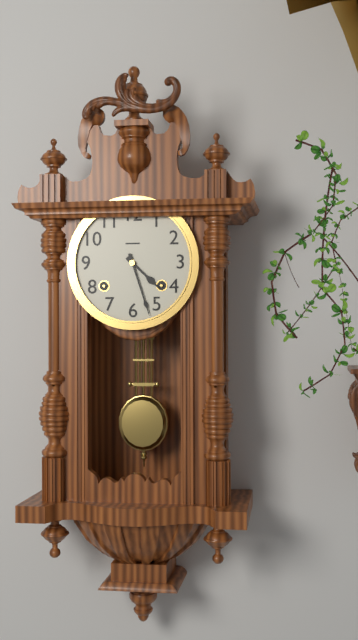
4:27
